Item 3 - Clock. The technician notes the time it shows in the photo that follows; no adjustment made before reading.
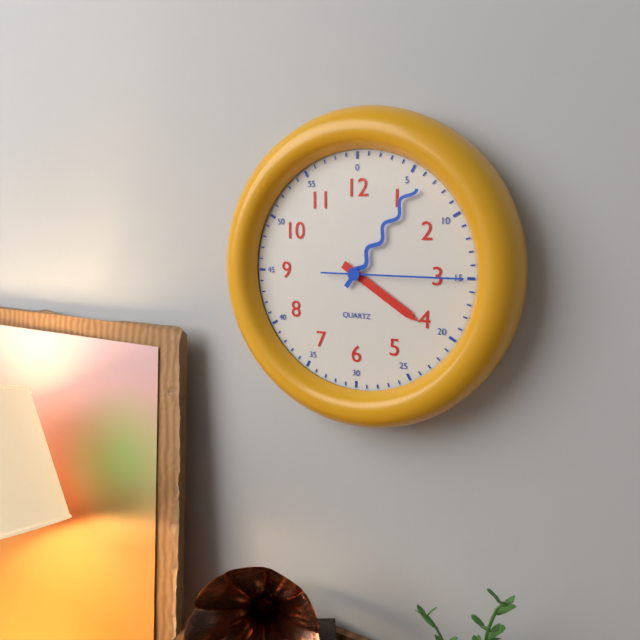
4:06:15
